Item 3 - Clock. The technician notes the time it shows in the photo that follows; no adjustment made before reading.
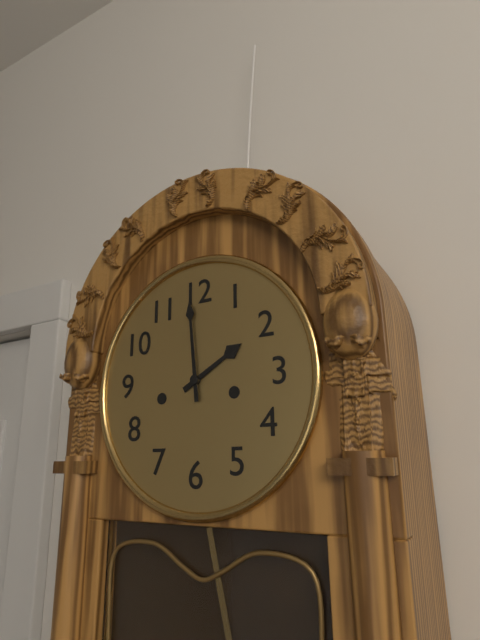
1:59
